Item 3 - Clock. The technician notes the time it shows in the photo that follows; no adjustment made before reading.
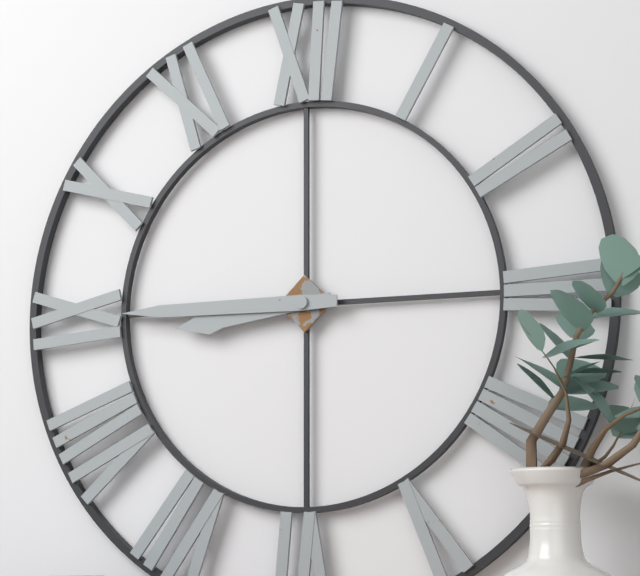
8:45
